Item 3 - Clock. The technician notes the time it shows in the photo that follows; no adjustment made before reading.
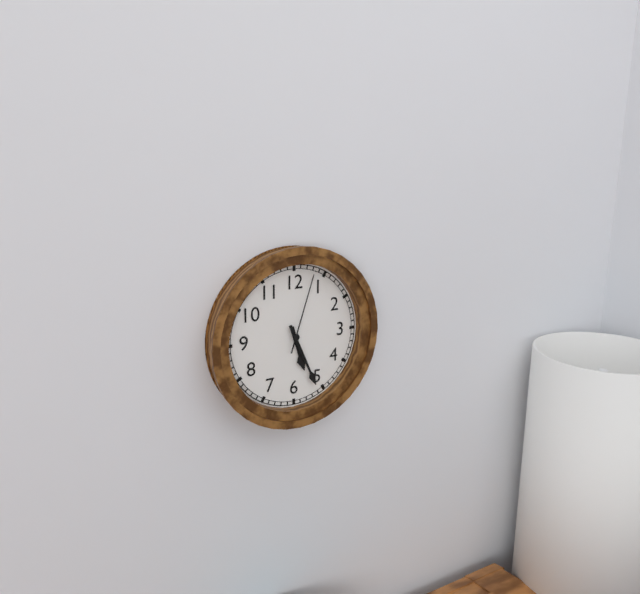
5:26:03
